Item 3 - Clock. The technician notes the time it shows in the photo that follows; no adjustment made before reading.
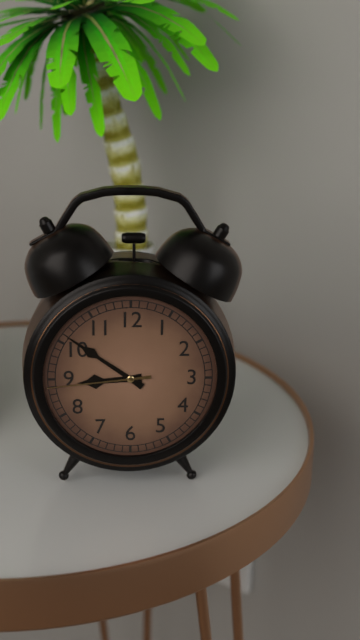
8:51:44
